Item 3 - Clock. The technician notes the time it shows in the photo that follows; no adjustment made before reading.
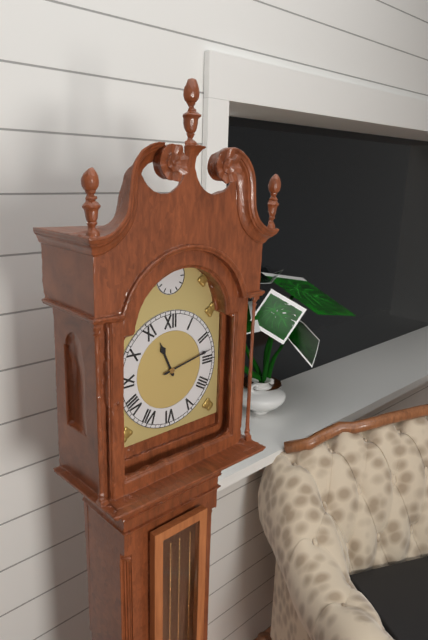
11:13
